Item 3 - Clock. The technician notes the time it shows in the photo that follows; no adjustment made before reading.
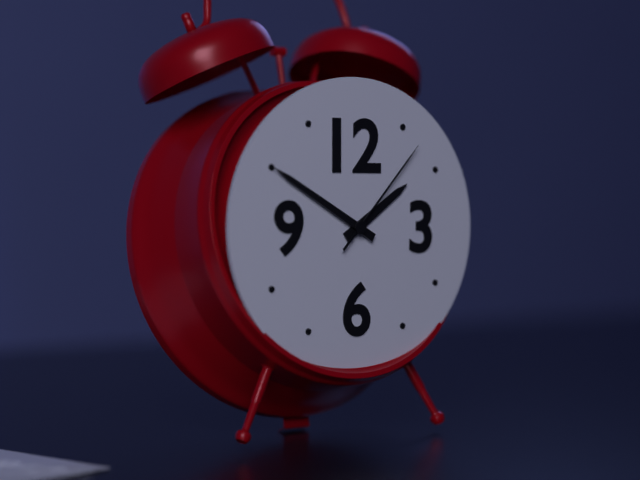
1:50:07
